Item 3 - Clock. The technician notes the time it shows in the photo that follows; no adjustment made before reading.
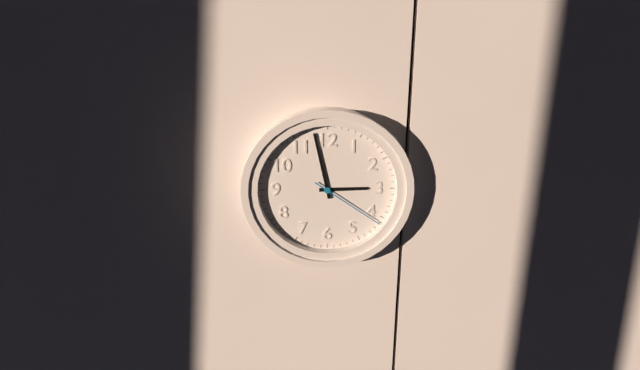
2:58:21
